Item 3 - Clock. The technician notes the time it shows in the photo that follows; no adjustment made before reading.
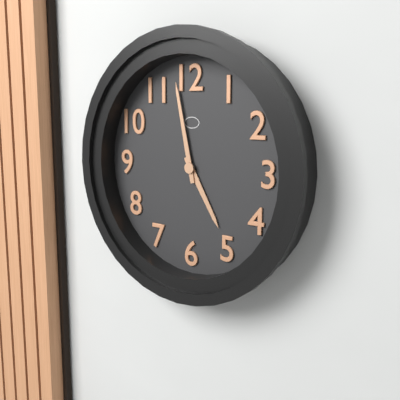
4:58
